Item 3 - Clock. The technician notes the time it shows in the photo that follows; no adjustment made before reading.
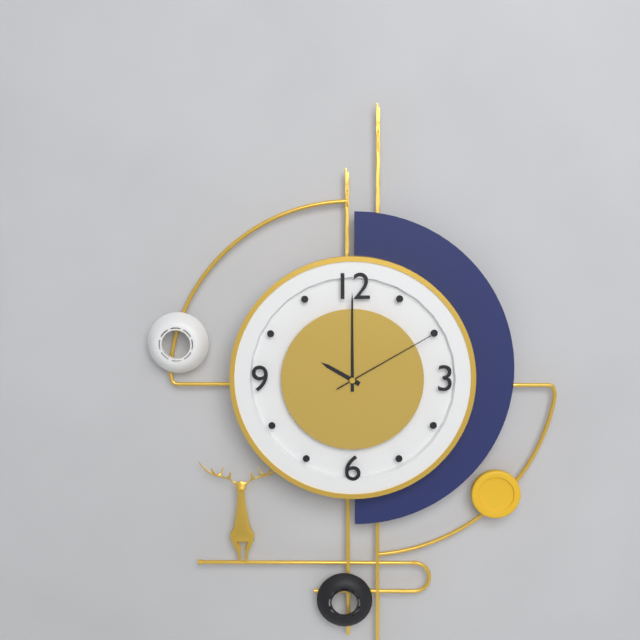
10:00:10
